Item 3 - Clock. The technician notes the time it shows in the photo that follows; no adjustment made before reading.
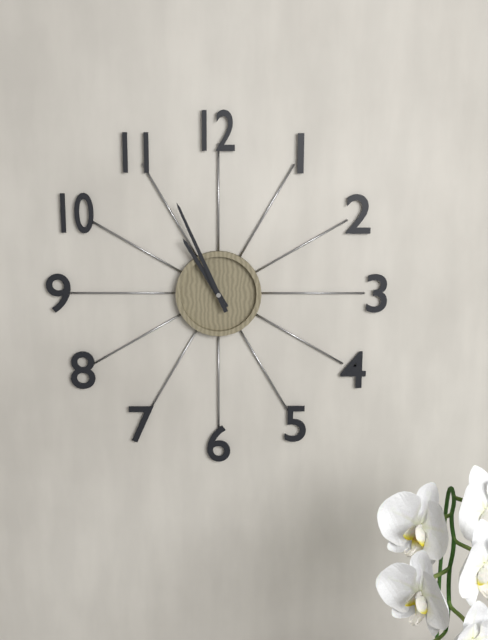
10:56
